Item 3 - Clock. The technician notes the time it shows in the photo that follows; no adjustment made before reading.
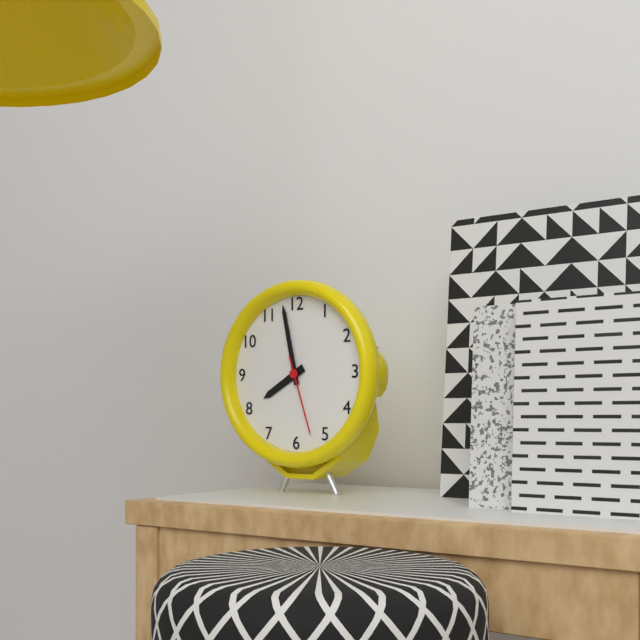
7:58:27
